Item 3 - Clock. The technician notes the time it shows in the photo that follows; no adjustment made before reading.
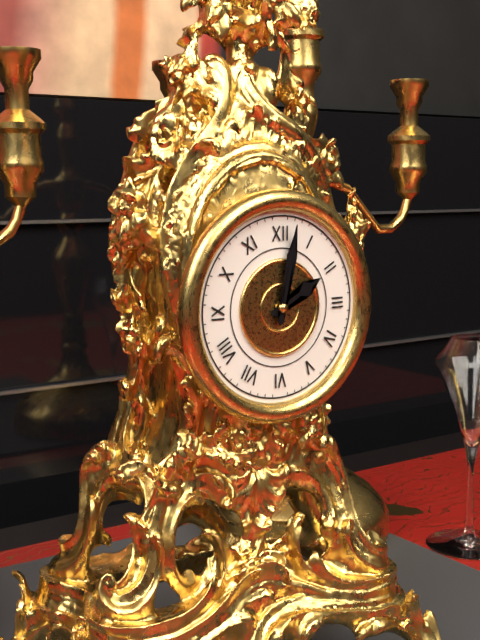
2:02
